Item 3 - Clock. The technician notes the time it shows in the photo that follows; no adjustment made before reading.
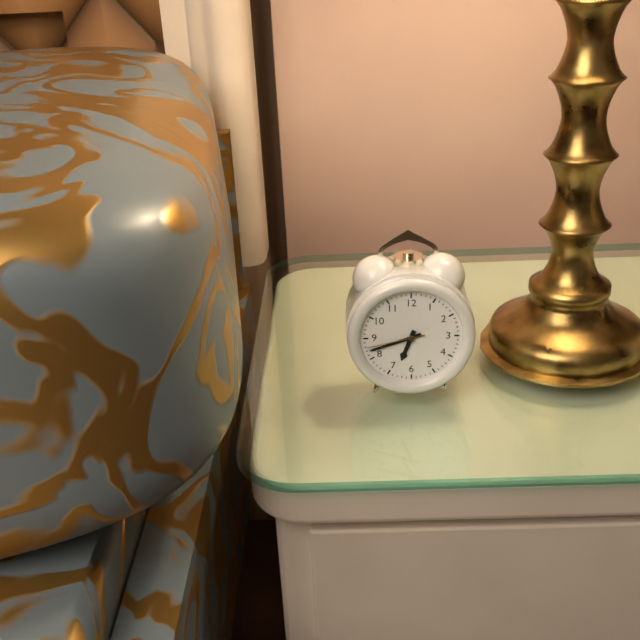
6:42:43
